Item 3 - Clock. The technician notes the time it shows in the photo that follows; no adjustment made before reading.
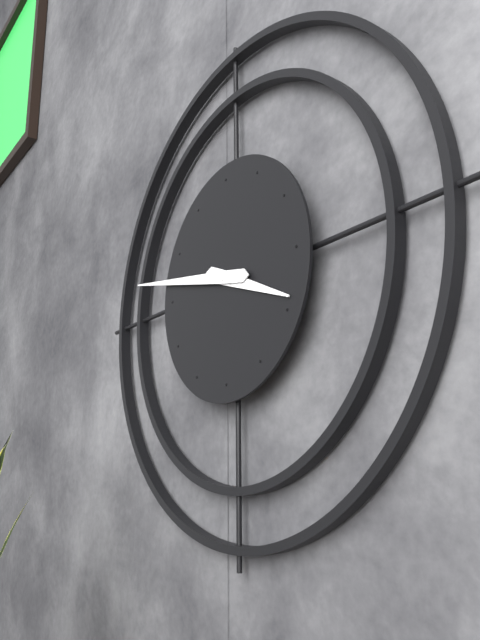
3:47
